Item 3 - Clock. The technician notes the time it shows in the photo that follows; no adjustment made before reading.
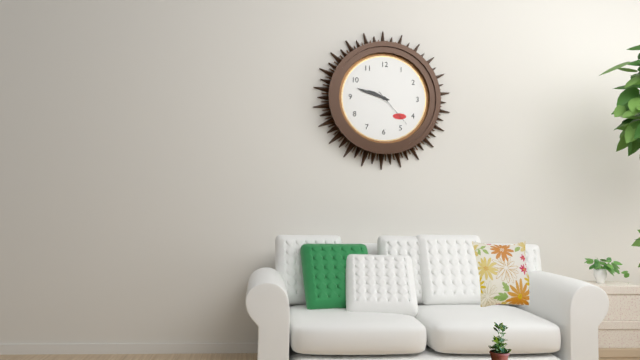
9:48
